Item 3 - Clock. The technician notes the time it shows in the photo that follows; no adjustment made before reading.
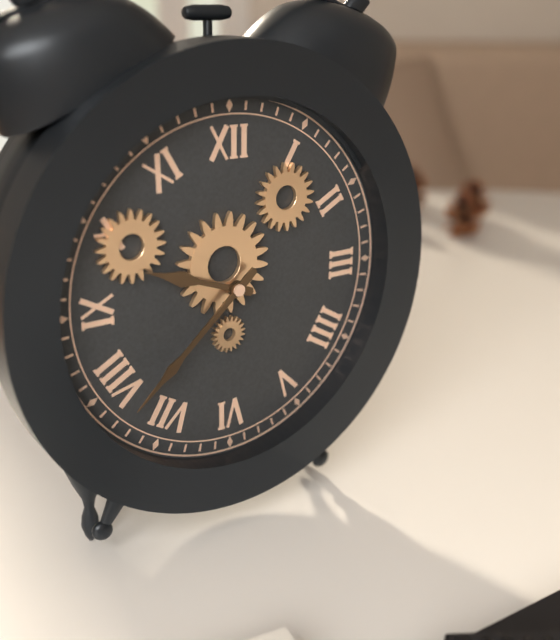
9:38
